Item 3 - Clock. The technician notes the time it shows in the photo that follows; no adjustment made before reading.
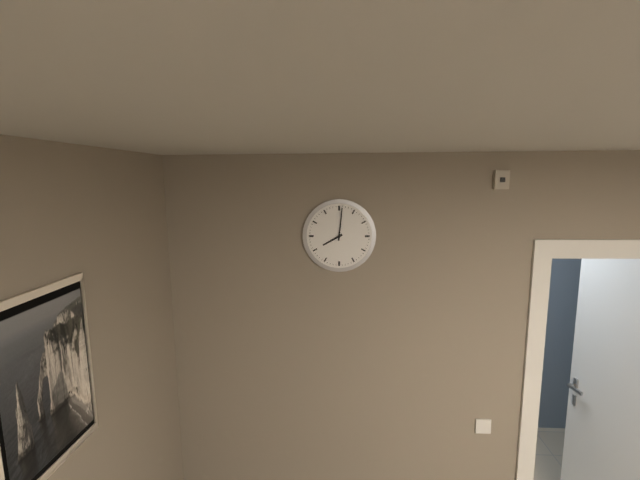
8:01
